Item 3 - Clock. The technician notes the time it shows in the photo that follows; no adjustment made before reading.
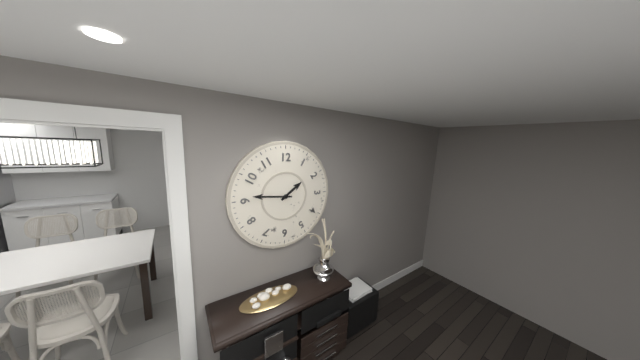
1:46
